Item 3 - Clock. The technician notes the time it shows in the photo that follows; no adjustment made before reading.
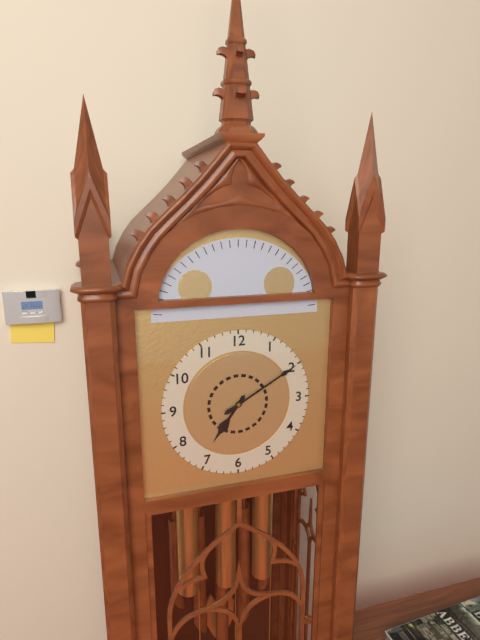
7:10
